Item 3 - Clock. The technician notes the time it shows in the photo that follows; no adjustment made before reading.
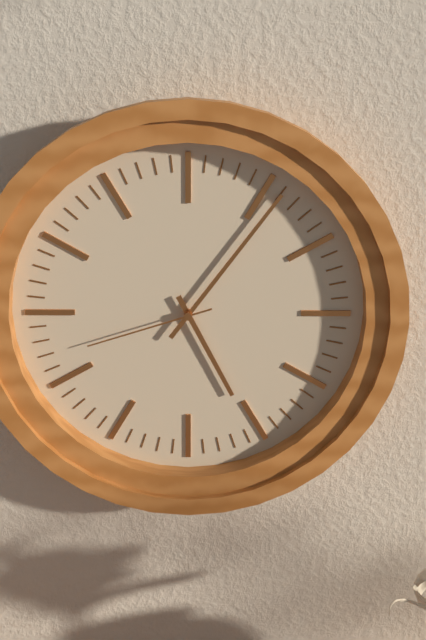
5:06:42
